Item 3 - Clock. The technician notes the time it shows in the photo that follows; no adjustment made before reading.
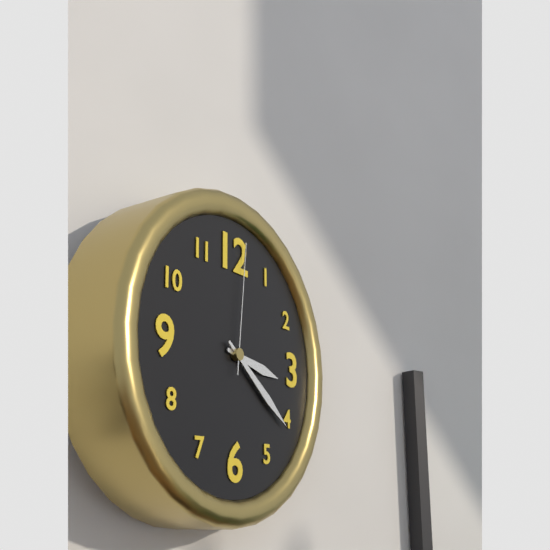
3:21:01
